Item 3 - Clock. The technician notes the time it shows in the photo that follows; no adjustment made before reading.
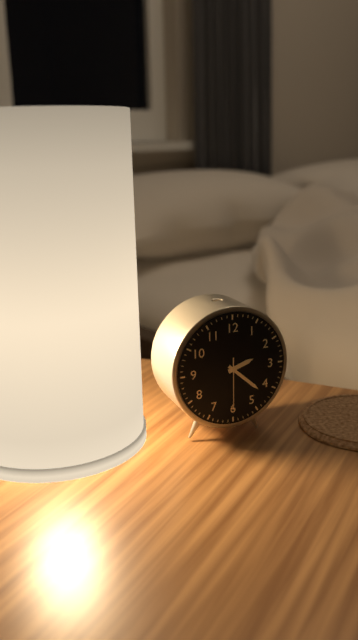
2:22:30
